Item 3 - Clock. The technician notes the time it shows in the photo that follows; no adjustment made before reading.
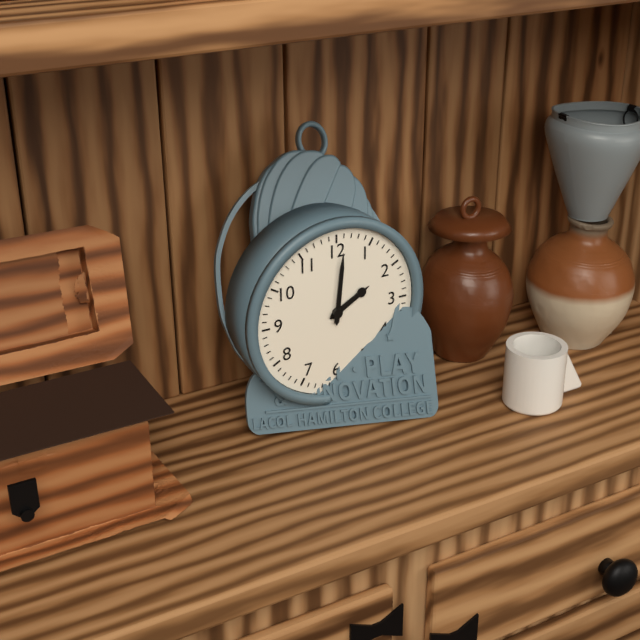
2:01
